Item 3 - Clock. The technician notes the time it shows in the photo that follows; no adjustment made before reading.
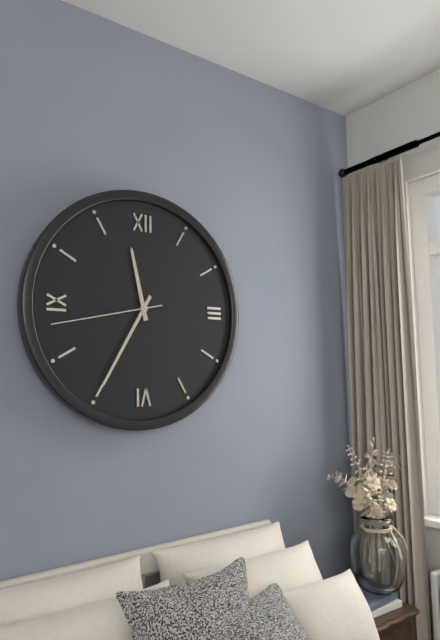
11:35:43
